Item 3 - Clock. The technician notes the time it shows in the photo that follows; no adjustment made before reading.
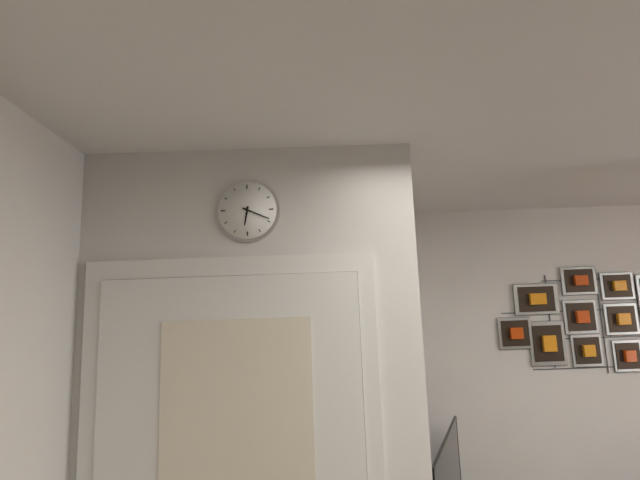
6:19
